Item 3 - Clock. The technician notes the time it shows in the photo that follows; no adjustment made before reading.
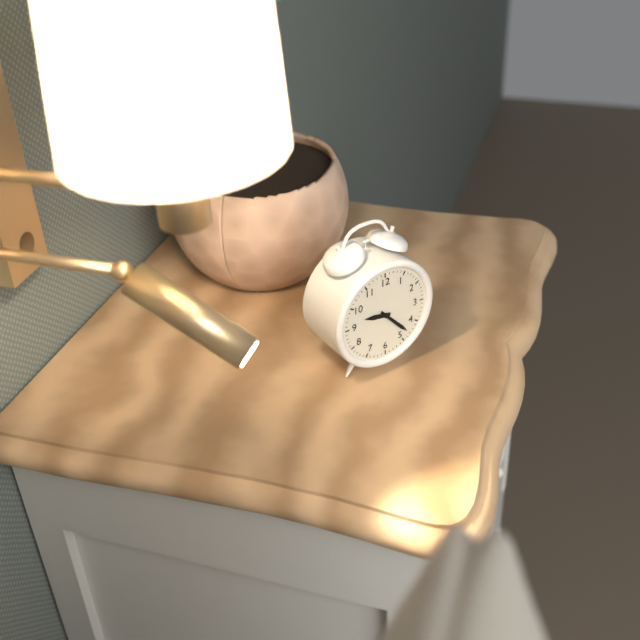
9:23
